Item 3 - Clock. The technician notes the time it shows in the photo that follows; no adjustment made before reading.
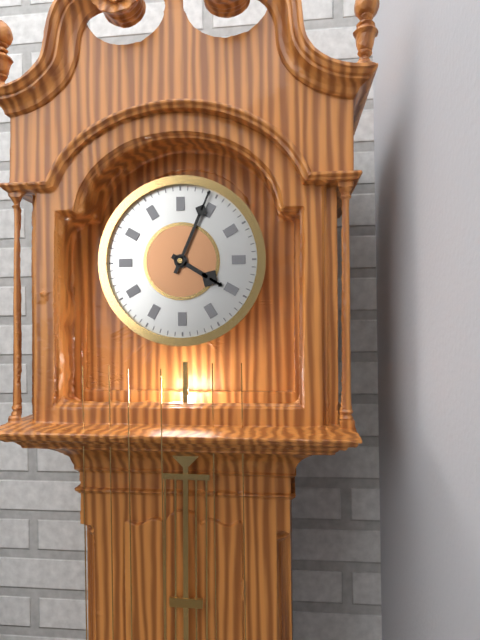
4:04
